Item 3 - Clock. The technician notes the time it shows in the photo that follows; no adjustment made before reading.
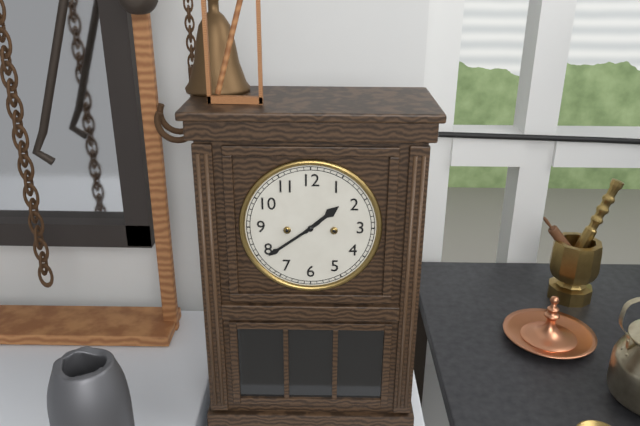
1:39
